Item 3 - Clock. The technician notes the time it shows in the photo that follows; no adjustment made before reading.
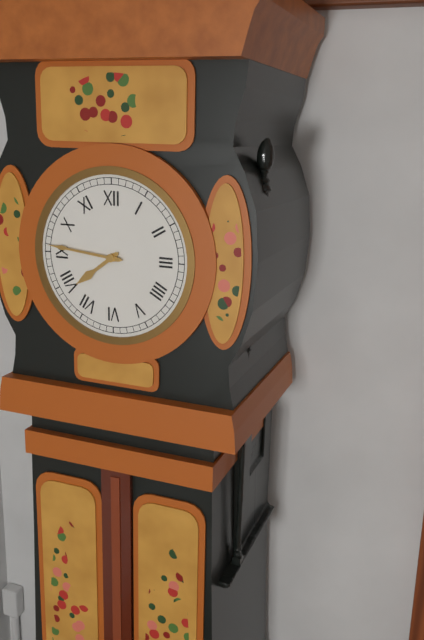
7:46
